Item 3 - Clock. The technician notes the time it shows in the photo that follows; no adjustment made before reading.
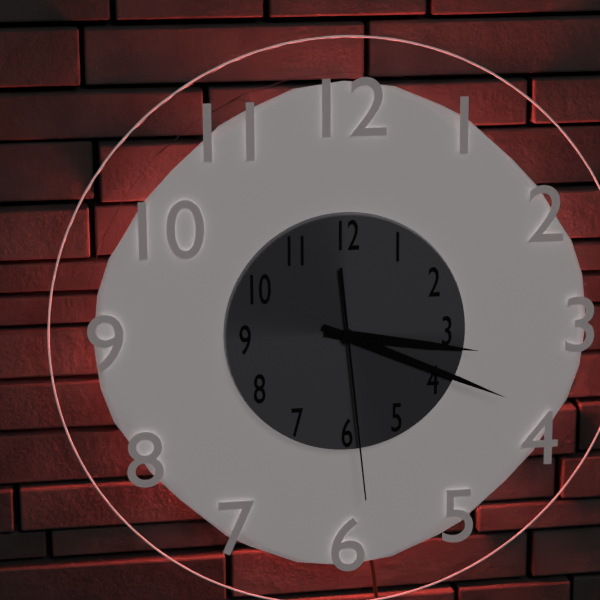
3:19:29
